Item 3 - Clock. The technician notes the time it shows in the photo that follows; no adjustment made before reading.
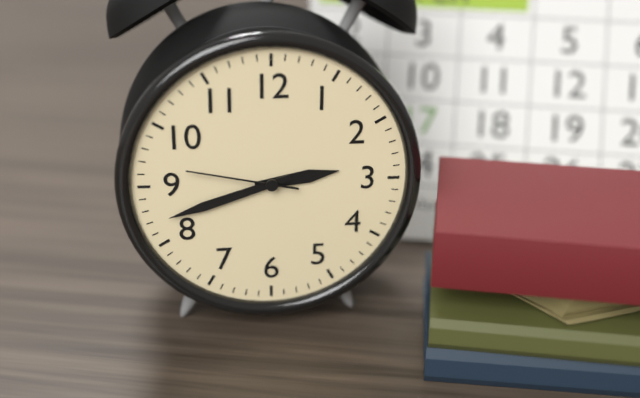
2:42:47
